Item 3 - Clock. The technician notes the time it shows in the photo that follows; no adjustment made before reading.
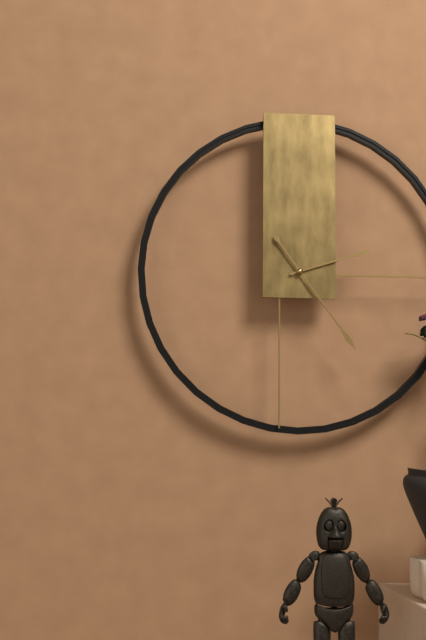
2:24
